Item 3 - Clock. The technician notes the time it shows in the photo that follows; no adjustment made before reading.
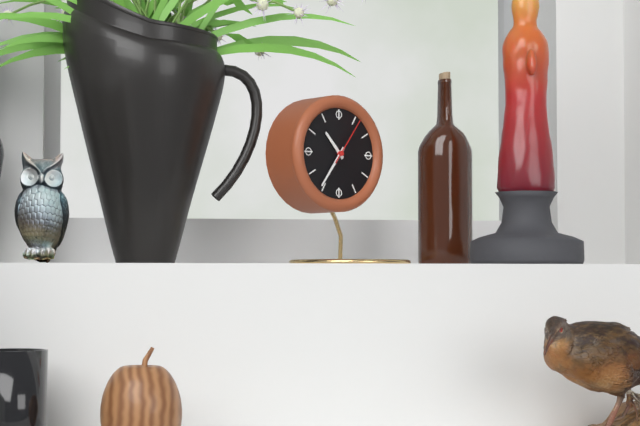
10:36:06
